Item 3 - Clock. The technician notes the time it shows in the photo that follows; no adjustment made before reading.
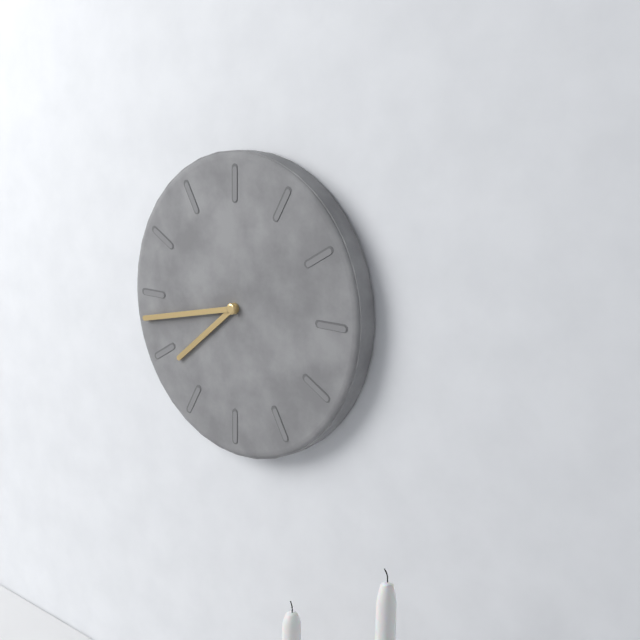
7:43
